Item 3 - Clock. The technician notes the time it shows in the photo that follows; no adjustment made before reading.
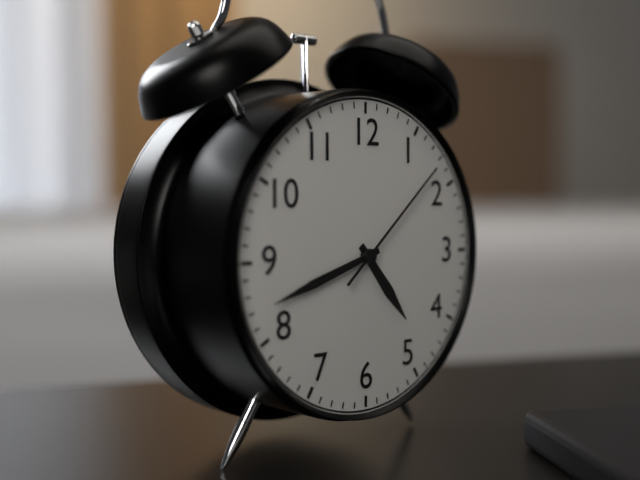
4:42:08
